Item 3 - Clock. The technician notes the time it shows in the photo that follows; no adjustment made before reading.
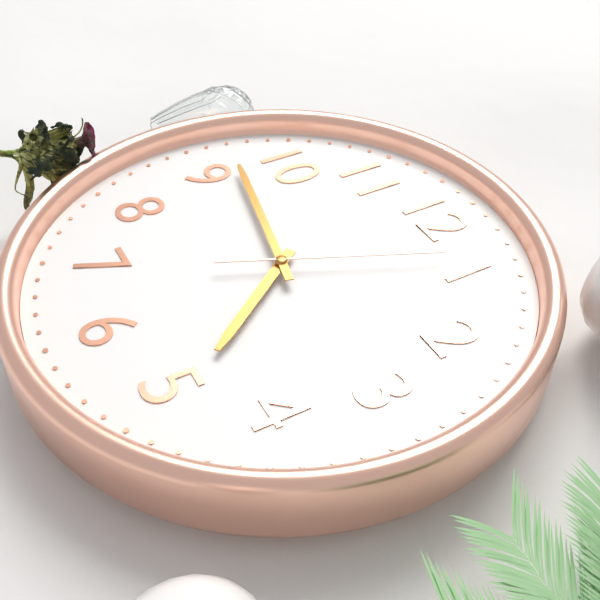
4:47:04
